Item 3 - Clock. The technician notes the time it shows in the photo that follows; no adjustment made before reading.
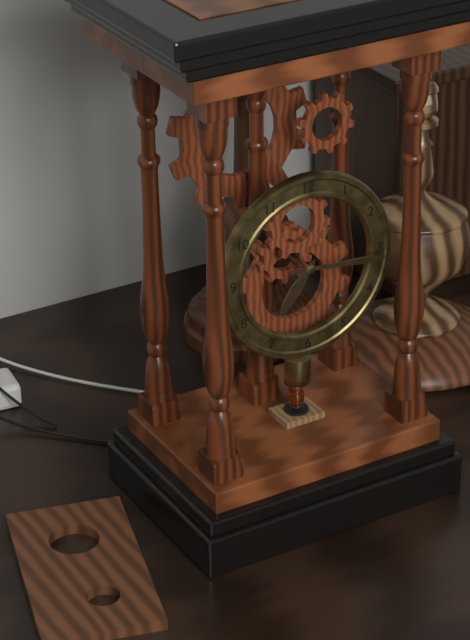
7:16
